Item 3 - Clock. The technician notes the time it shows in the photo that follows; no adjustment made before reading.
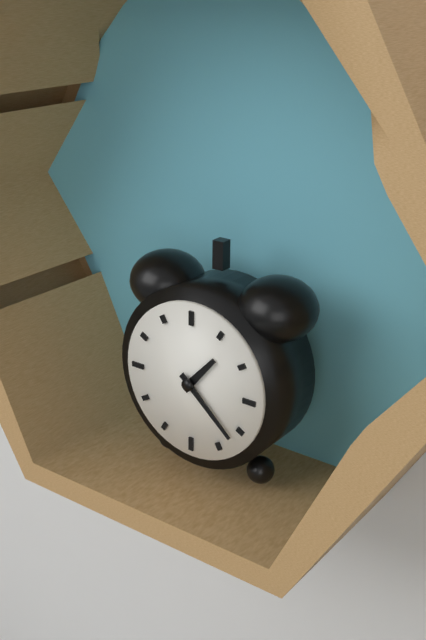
1:22
